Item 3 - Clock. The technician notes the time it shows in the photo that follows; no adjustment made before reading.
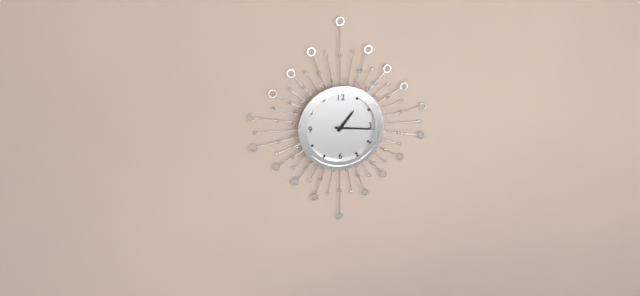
1:16
